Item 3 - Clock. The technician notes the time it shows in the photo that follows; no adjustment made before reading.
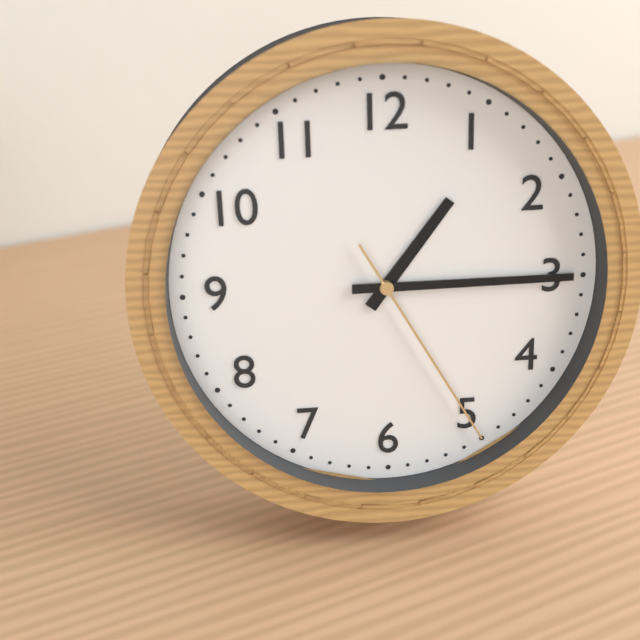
1:15:25
